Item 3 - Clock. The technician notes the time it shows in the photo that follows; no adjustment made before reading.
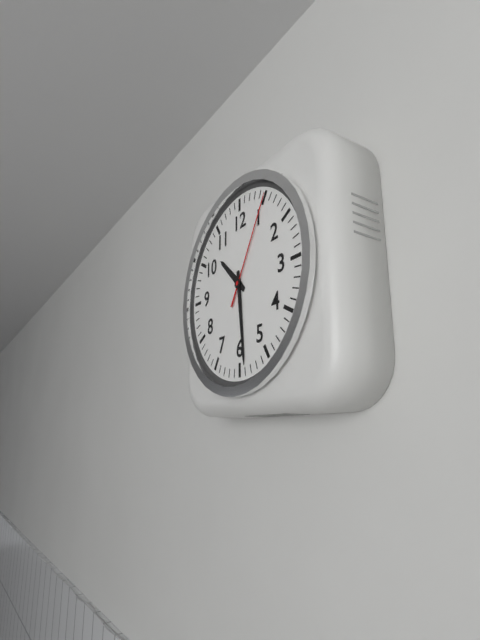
10:29:05
